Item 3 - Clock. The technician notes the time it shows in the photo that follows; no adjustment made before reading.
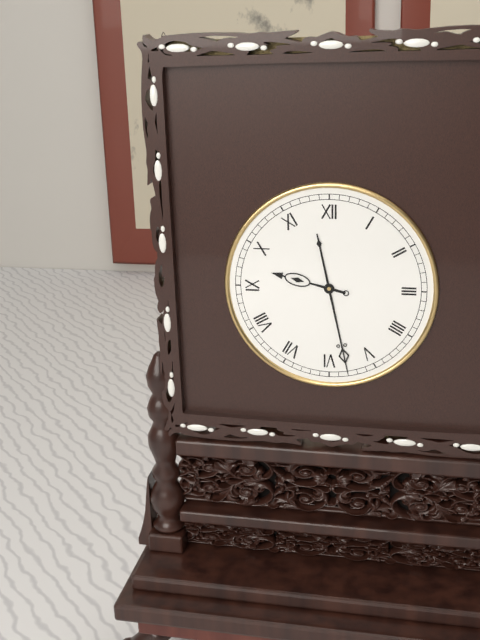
9:28
